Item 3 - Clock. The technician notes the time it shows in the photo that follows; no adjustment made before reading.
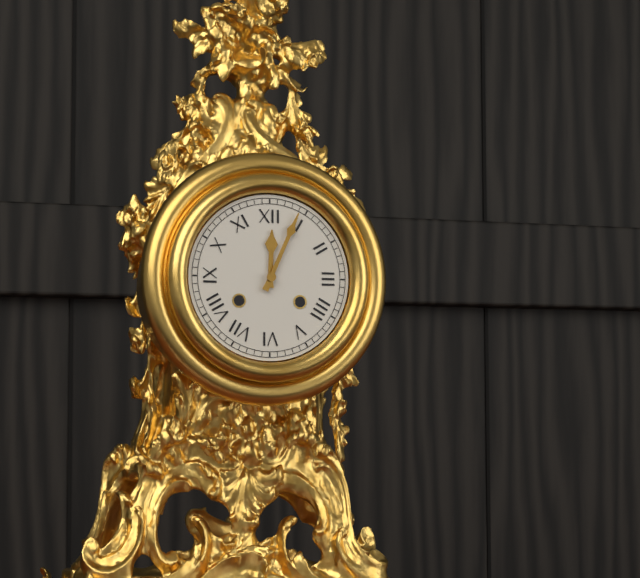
12:04
